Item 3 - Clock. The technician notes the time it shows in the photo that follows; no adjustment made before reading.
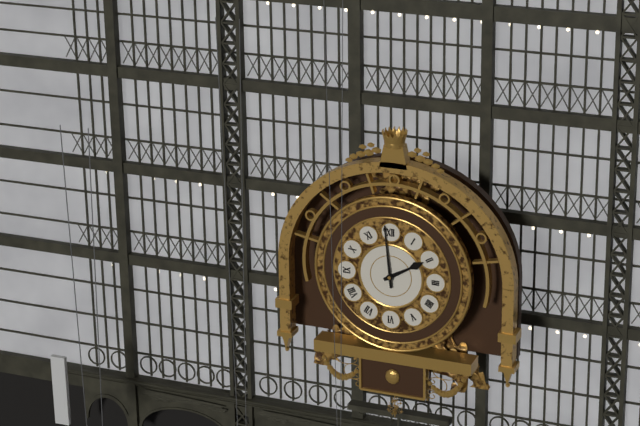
1:59
